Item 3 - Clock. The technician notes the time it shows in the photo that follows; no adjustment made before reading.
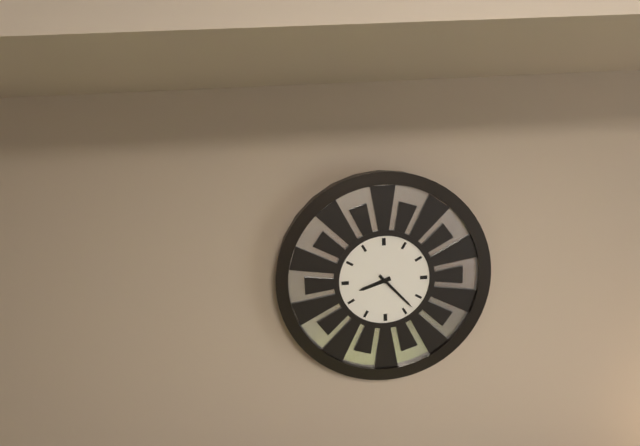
8:23
